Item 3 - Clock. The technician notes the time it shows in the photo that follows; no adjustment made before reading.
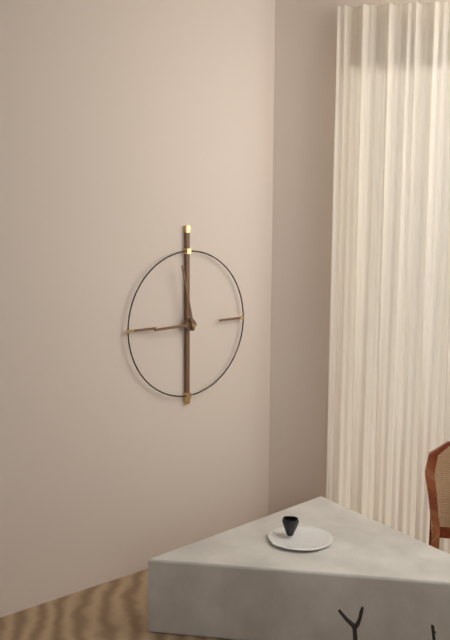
8:58
